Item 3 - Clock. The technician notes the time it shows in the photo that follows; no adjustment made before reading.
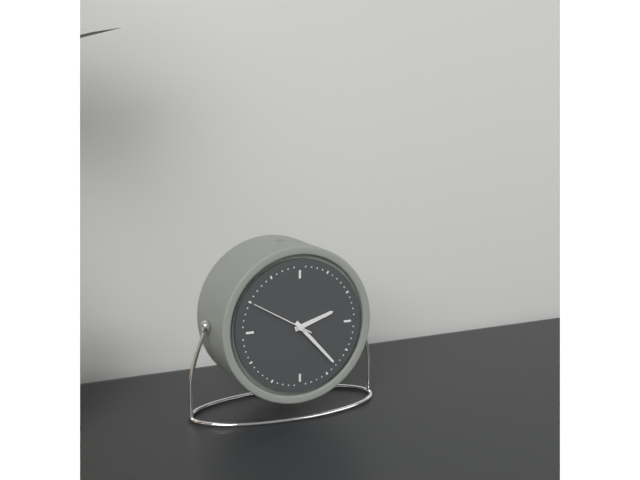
2:23:50
